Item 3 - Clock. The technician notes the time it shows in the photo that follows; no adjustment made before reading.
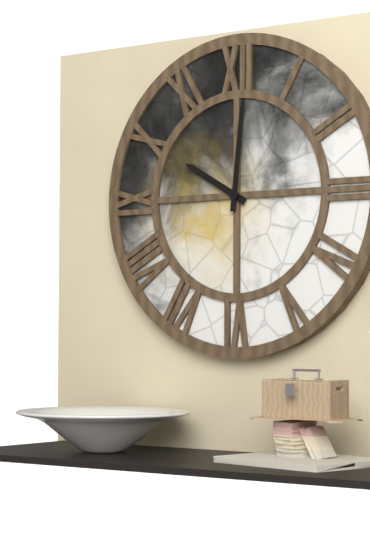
10:01
